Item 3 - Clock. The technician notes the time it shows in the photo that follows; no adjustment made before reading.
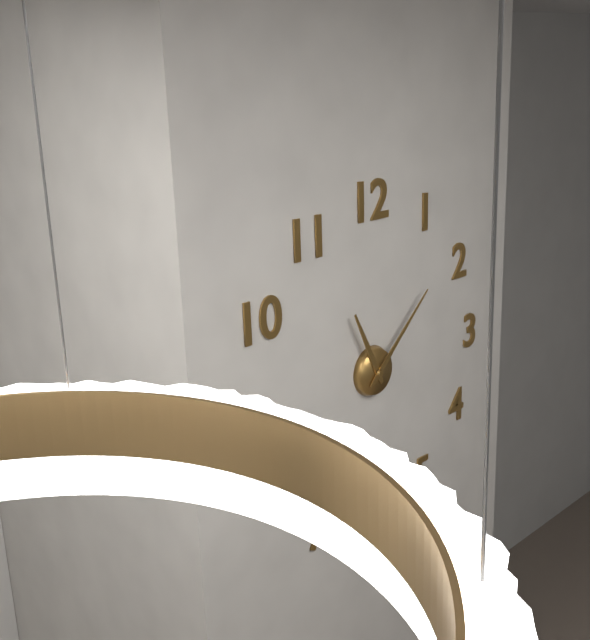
11:08
